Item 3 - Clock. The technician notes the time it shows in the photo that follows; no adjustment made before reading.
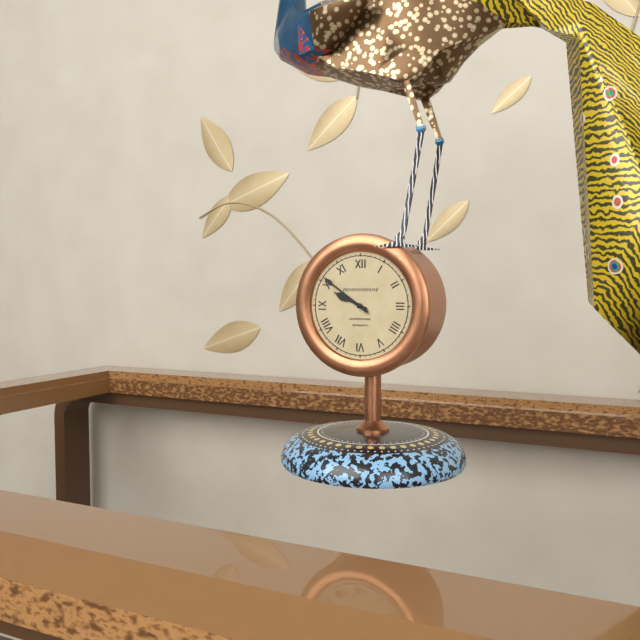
9:51
